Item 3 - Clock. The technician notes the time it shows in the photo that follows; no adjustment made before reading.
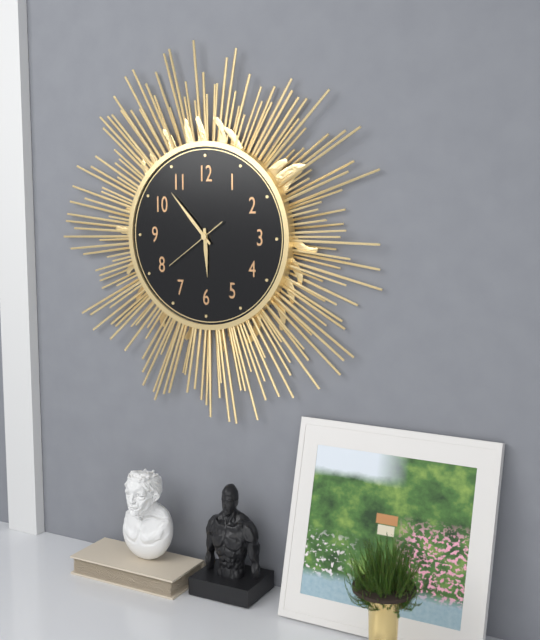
5:53:39
